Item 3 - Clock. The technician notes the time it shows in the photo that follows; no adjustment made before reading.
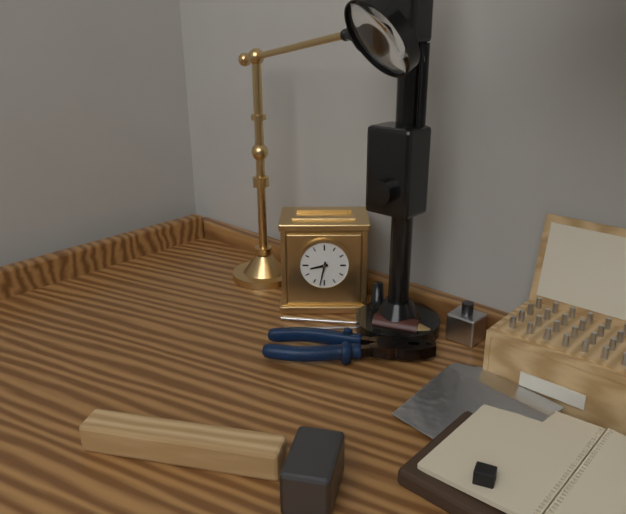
8:32
